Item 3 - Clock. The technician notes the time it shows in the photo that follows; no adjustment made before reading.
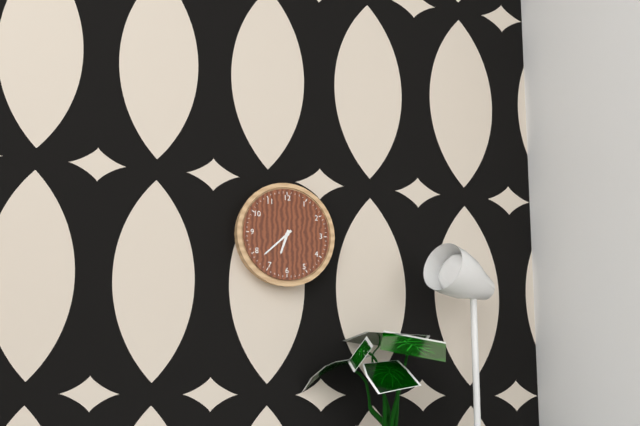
6:38
